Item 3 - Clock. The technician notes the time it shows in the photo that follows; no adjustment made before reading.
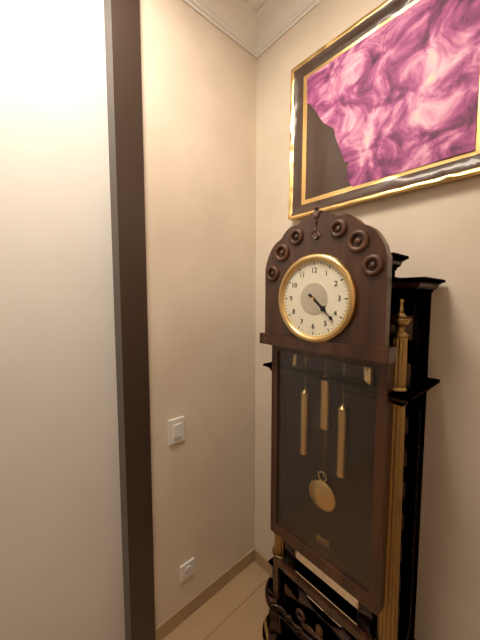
4:22
